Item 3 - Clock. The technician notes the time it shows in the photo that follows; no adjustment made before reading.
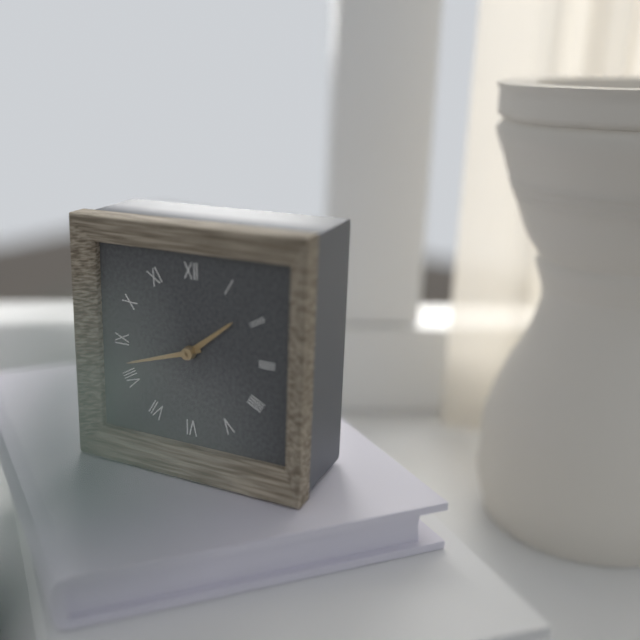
1:42
